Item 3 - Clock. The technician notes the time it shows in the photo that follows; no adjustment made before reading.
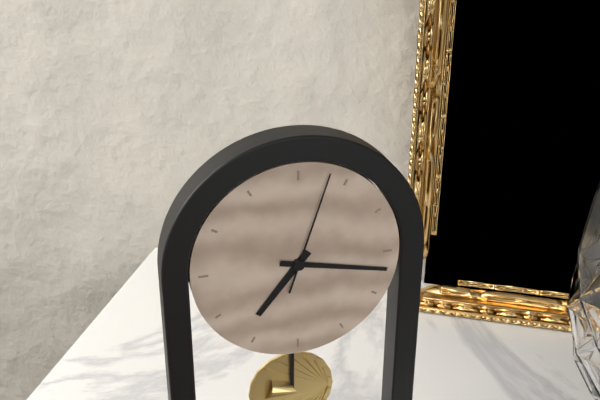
7:17:03
